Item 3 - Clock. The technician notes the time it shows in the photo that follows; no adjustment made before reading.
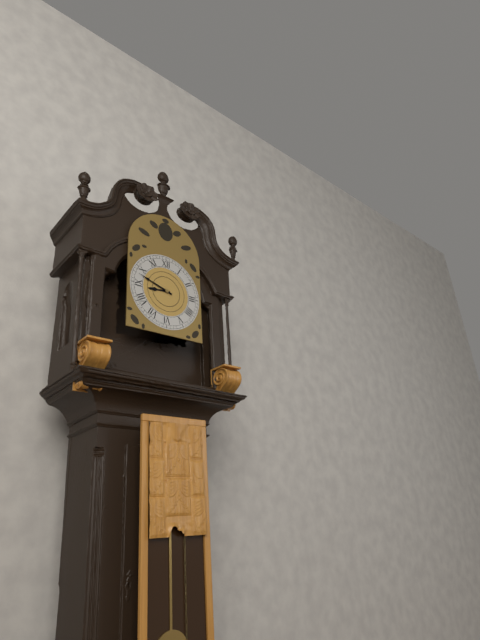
8:48
